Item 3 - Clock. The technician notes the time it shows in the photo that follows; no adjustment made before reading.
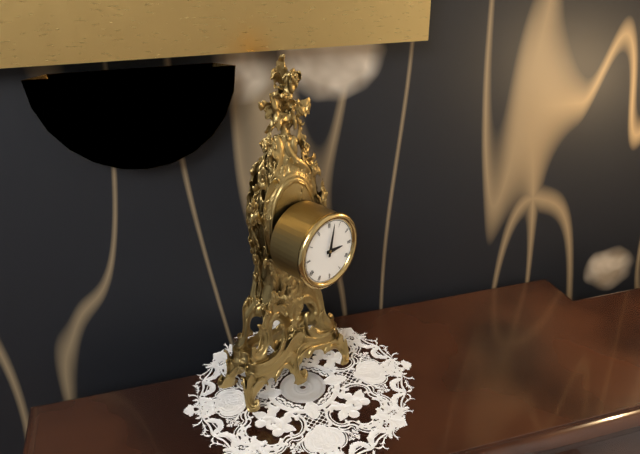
3:02
